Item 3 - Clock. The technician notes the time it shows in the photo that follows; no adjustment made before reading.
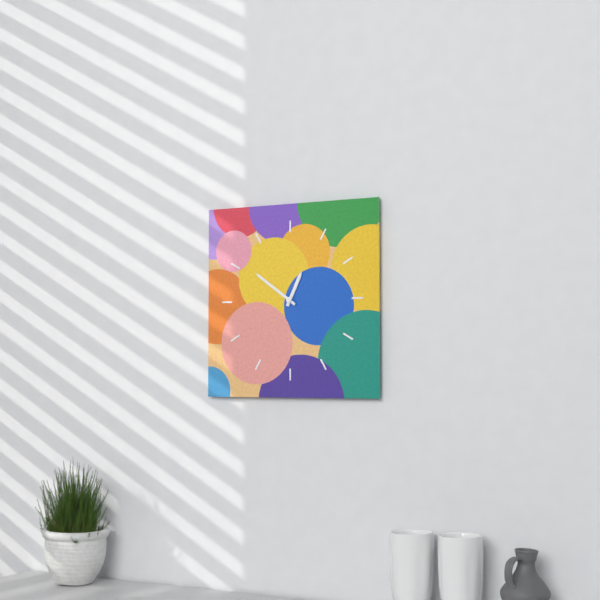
12:51
